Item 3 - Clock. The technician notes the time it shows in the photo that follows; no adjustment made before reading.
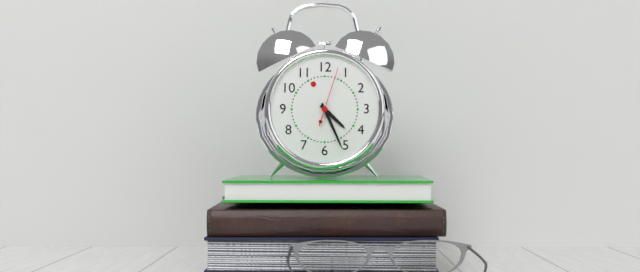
4:26:03
